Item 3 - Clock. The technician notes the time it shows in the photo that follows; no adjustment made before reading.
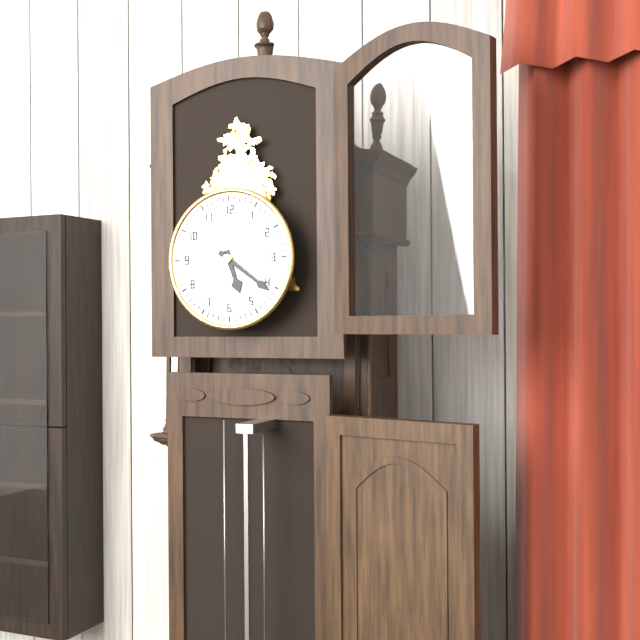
5:21
